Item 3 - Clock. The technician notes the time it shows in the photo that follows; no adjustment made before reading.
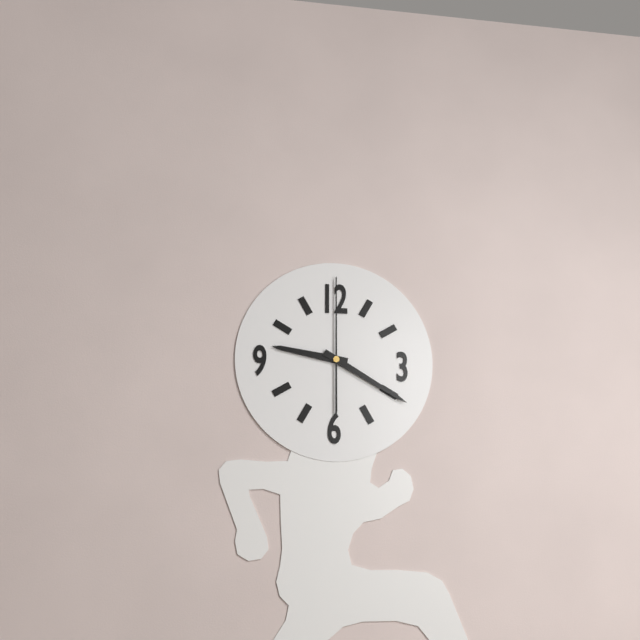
9:20:00
